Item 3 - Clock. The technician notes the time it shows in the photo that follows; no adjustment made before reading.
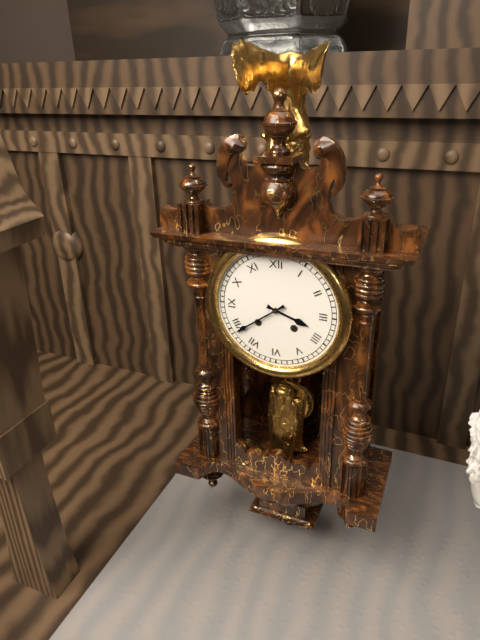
3:39
